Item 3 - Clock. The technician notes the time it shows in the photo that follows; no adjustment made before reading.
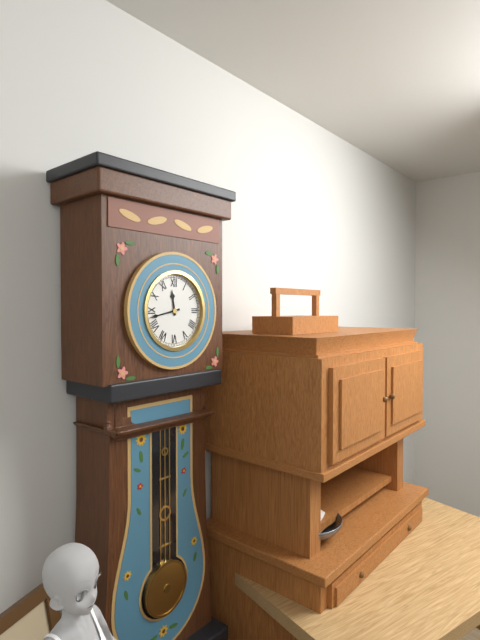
11:43
